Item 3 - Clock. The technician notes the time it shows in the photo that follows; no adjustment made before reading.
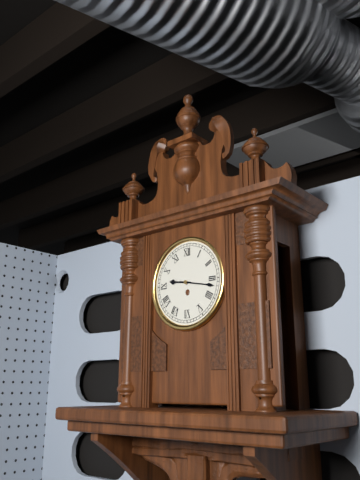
9:17
